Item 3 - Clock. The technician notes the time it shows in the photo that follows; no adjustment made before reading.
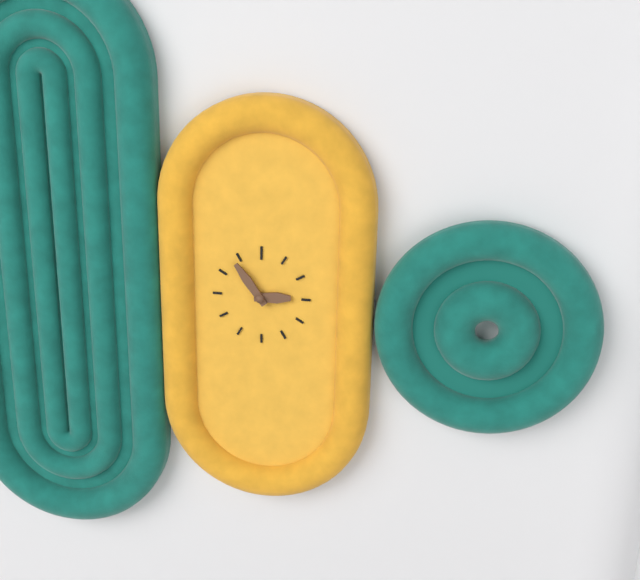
2:54
